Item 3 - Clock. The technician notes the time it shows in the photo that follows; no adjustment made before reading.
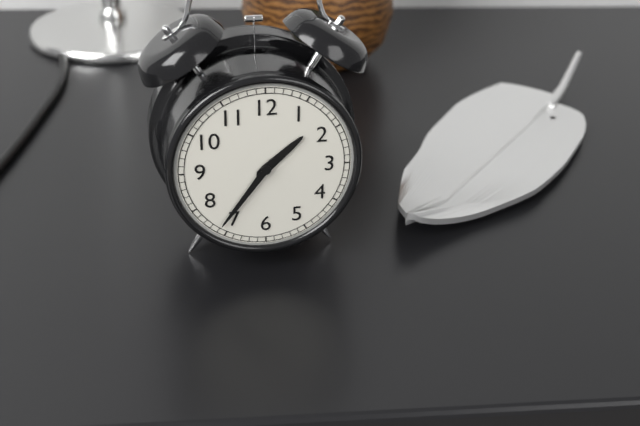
1:36
